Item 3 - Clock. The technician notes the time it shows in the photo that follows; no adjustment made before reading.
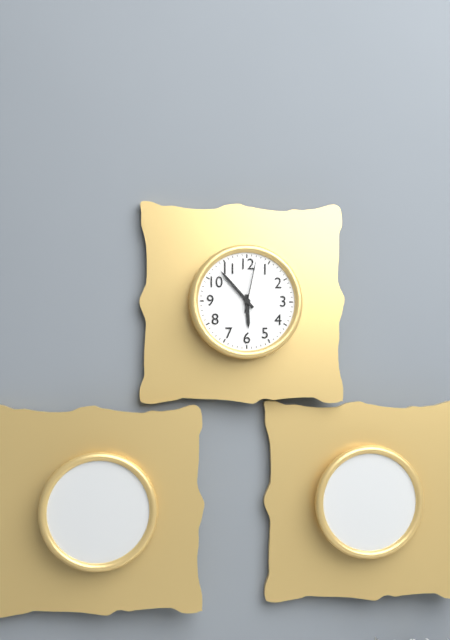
5:53:02
